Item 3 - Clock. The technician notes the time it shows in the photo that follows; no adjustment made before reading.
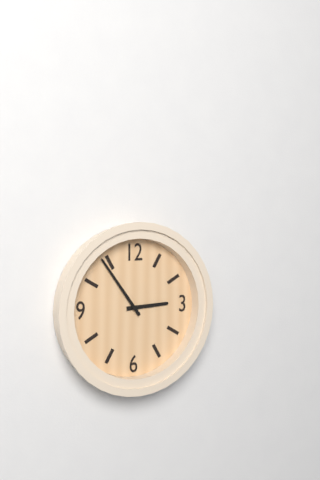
2:54
